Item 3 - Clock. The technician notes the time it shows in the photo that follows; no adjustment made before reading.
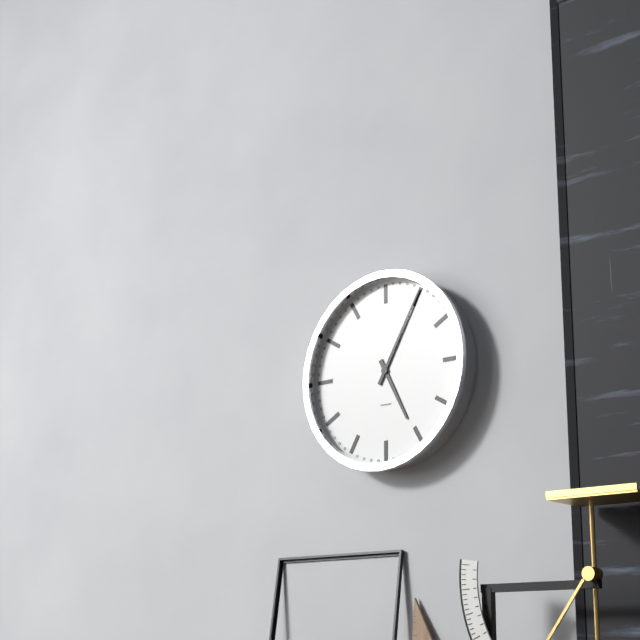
5:05
